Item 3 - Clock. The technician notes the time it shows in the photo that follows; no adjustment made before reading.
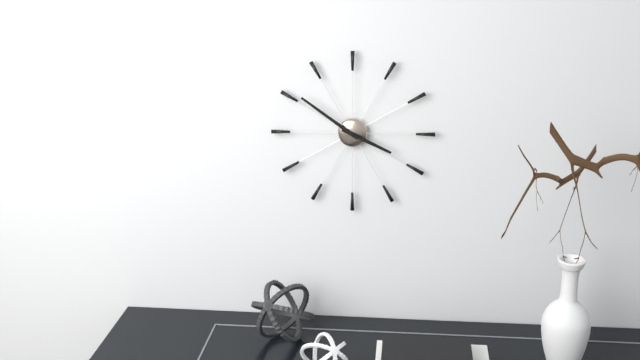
3:51
